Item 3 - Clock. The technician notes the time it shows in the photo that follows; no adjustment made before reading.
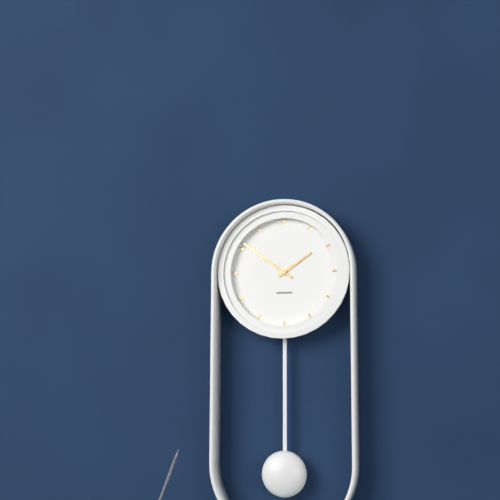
1:51
